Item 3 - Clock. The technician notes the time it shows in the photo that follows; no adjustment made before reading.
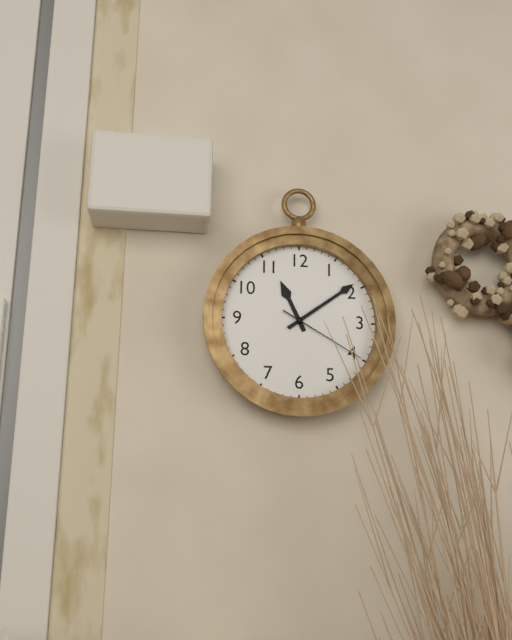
11:09:20
